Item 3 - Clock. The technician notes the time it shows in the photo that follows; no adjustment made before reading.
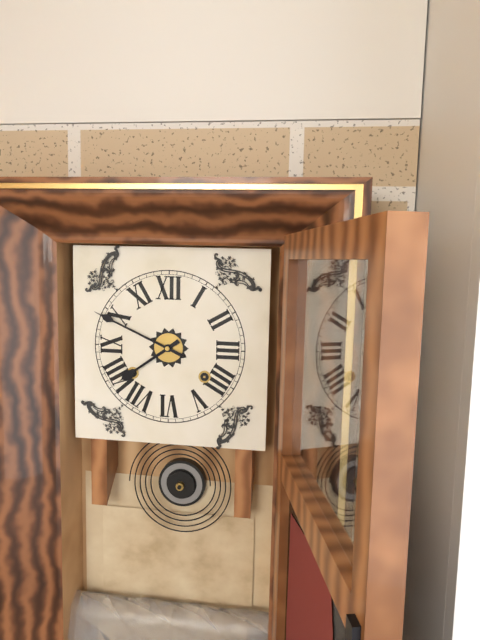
7:49
